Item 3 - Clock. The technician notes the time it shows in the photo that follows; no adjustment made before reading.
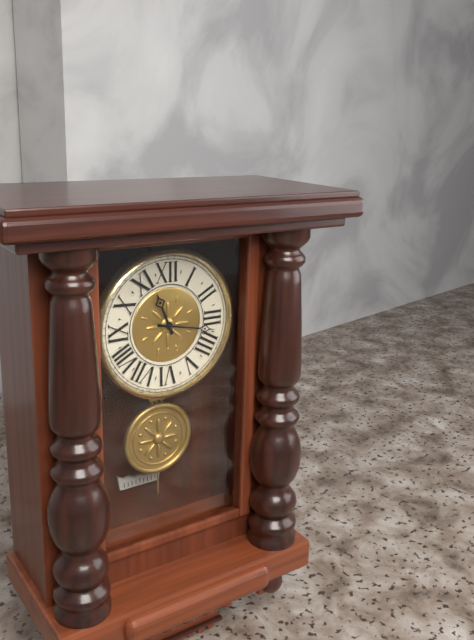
11:17
